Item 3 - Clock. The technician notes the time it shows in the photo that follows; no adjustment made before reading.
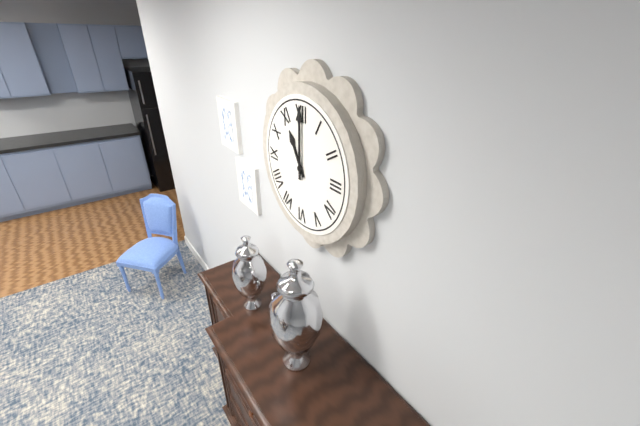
11:00
